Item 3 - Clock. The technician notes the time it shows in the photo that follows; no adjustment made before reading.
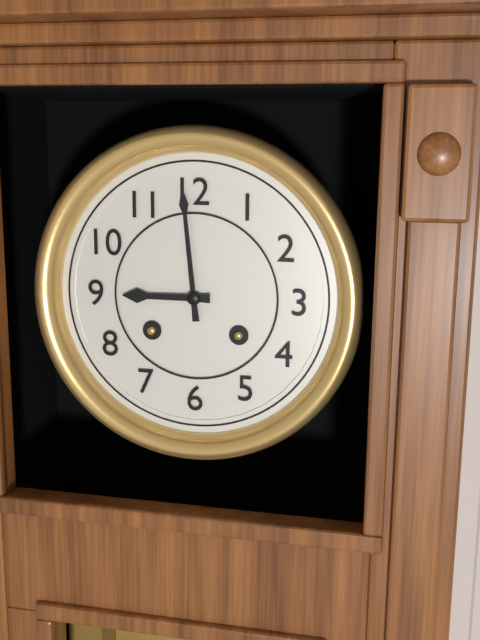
8:59
